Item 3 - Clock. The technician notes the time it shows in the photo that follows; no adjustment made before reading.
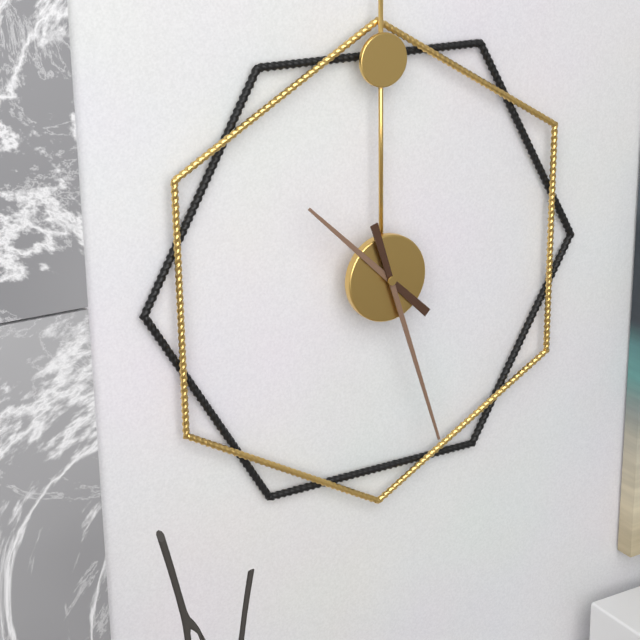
10:27
